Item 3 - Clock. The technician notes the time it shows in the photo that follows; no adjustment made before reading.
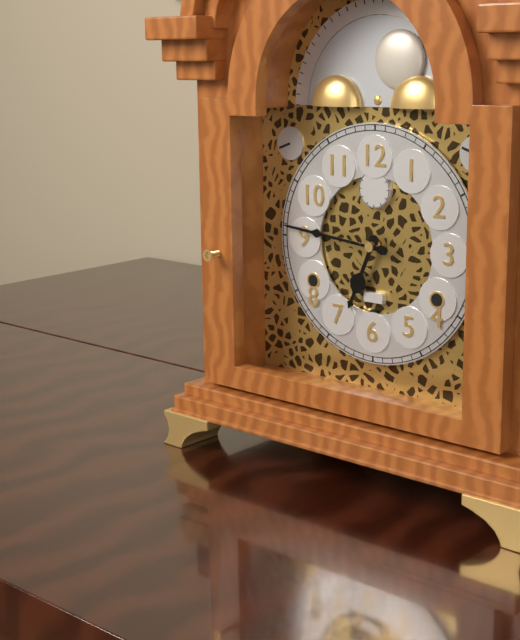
6:46
